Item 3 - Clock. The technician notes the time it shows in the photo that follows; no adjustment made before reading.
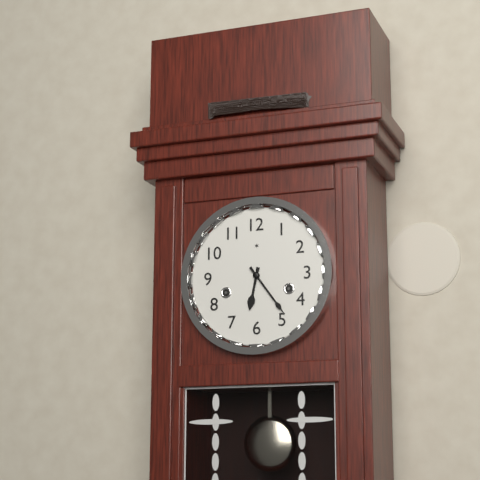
6:24
